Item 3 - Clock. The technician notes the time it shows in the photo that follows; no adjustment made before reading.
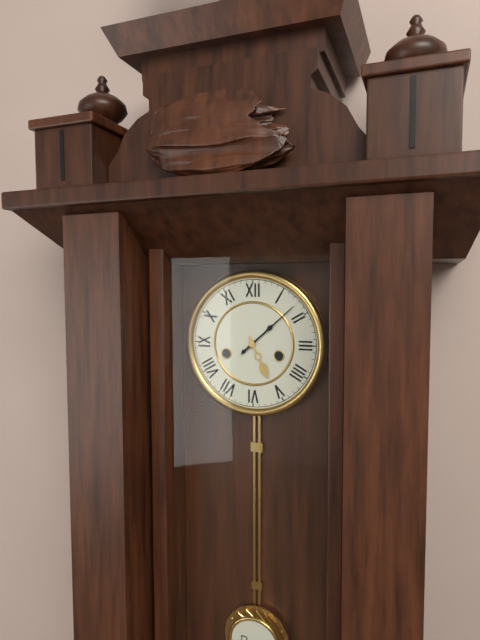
5:08
